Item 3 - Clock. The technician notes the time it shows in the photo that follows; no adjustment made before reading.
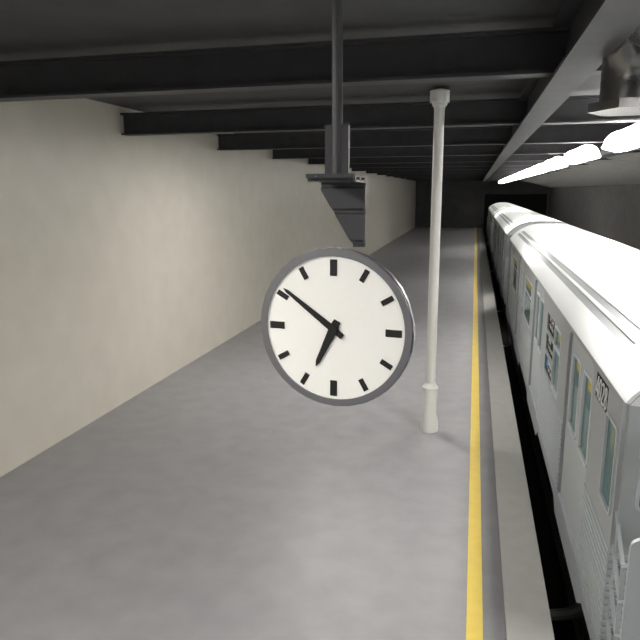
6:51
